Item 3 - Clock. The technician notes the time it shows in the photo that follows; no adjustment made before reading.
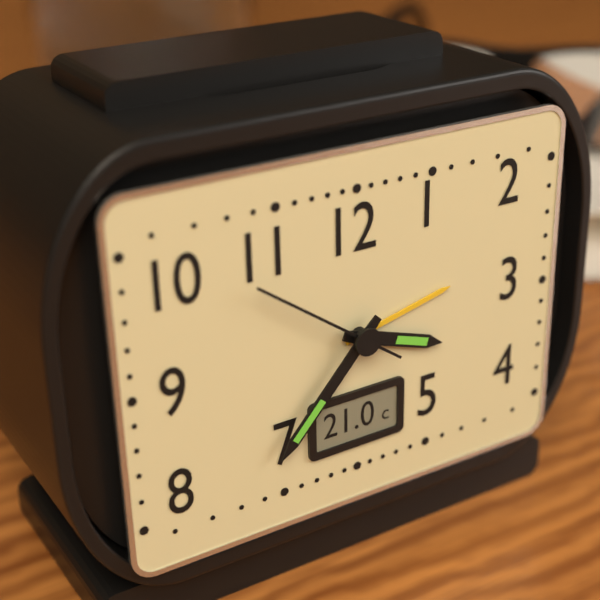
3:37:51
